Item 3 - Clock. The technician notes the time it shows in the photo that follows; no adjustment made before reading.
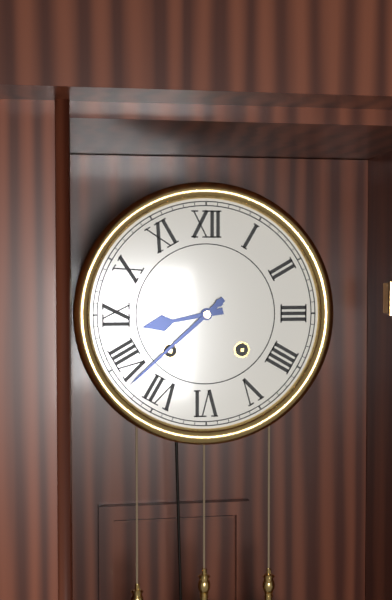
8:38
